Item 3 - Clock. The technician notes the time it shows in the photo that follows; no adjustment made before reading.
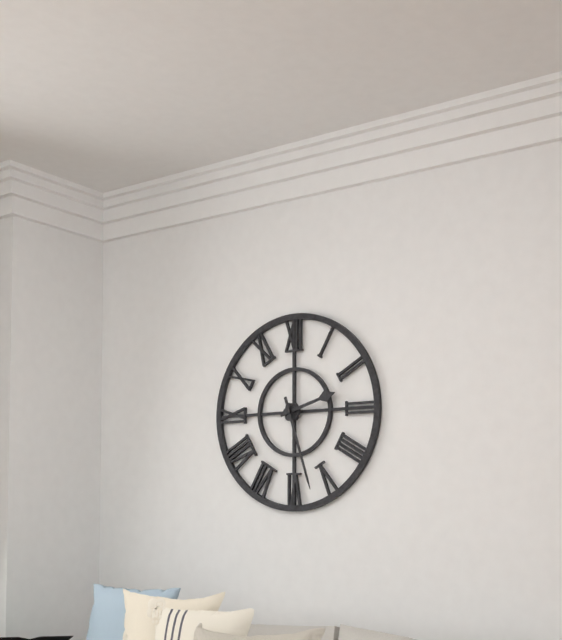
2:27
